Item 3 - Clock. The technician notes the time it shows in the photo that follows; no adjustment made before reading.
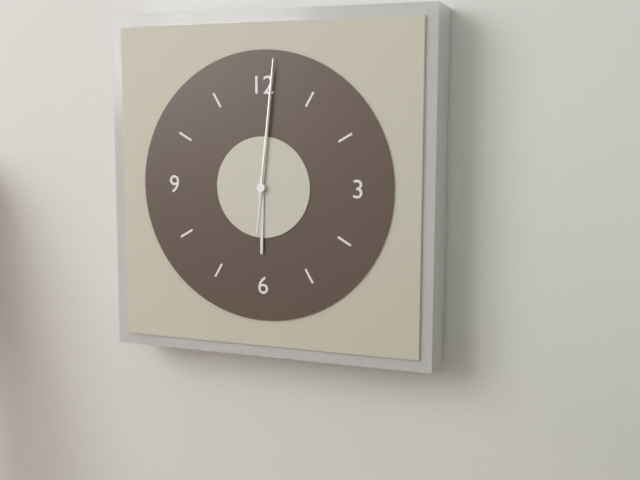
6:01:01
